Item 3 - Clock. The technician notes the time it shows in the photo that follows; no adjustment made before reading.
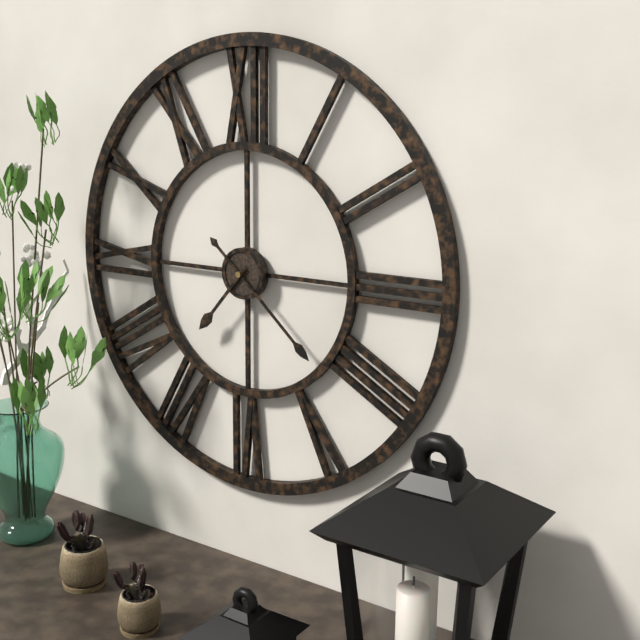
7:22
